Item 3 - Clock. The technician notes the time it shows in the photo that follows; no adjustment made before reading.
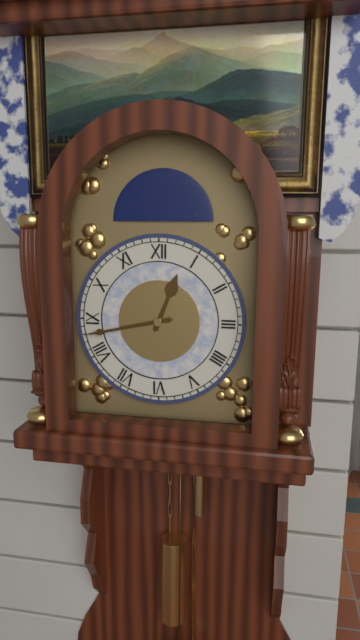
12:43
